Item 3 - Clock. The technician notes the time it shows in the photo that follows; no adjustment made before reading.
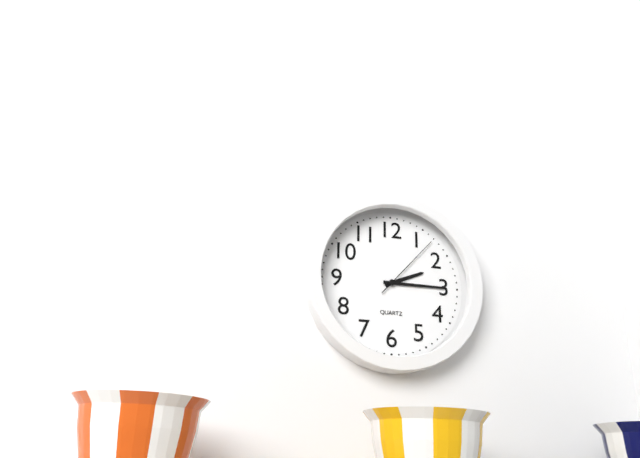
2:15:07
